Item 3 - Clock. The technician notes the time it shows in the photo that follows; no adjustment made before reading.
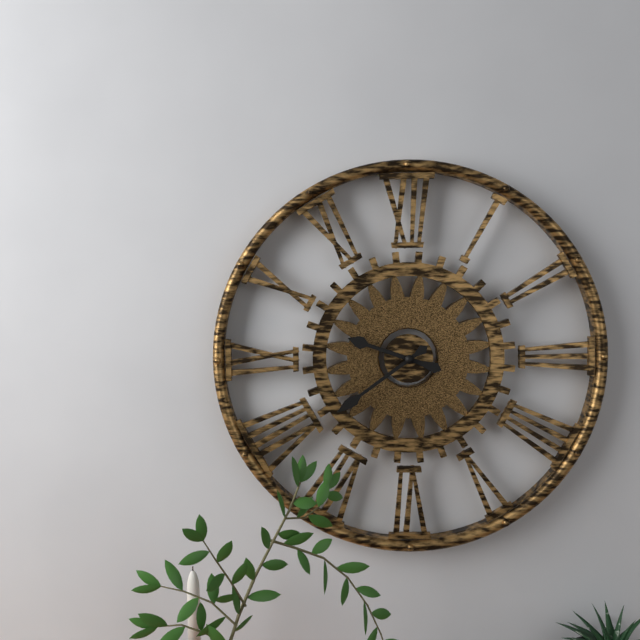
9:39
